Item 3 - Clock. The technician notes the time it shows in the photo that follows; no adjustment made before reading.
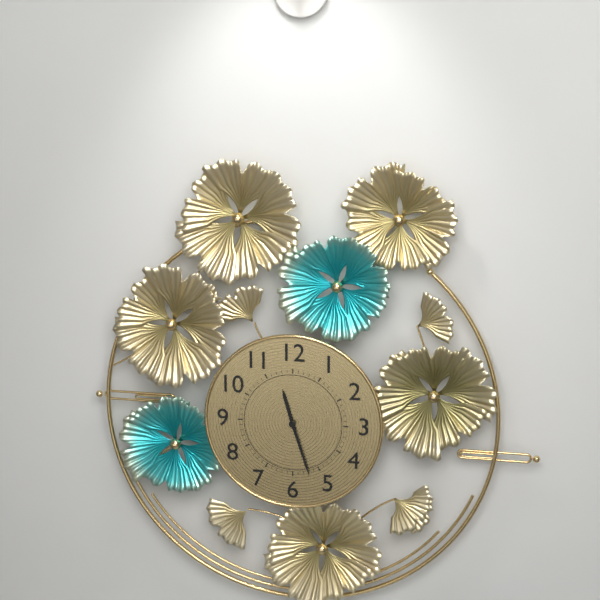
11:27
